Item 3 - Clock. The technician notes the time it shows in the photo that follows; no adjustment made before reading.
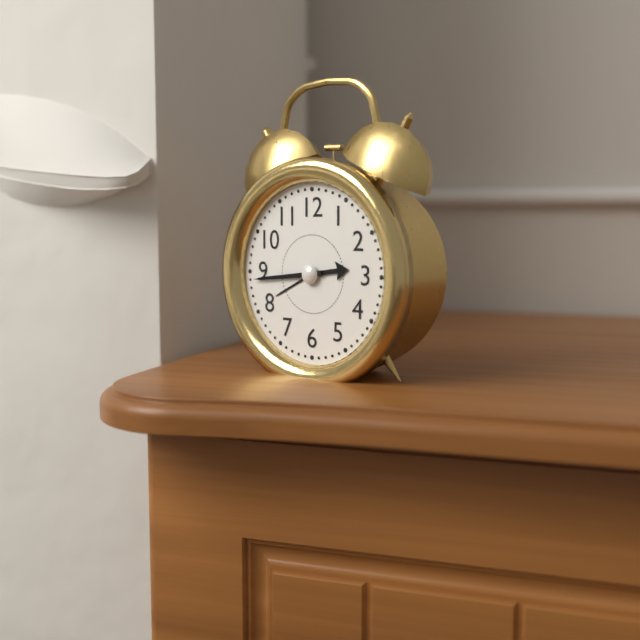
2:44
